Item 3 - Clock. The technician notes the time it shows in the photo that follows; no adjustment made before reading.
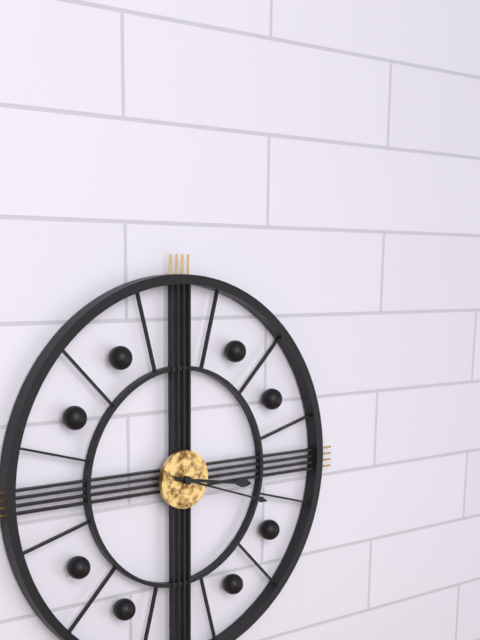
3:18
